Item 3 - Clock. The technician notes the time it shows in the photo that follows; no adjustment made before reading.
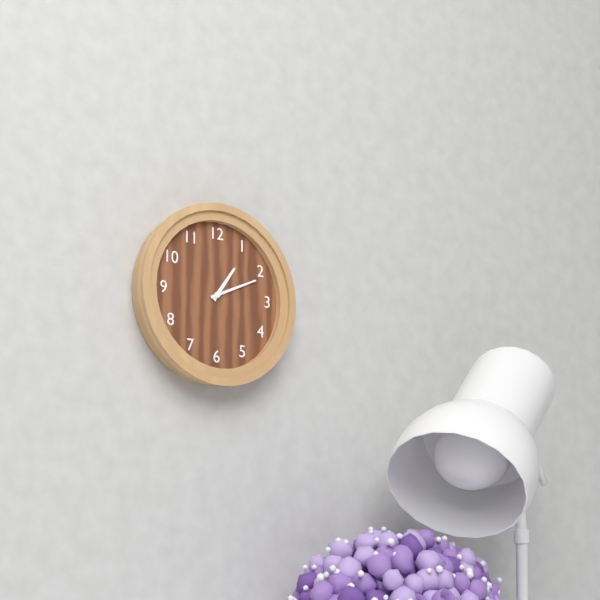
1:11
